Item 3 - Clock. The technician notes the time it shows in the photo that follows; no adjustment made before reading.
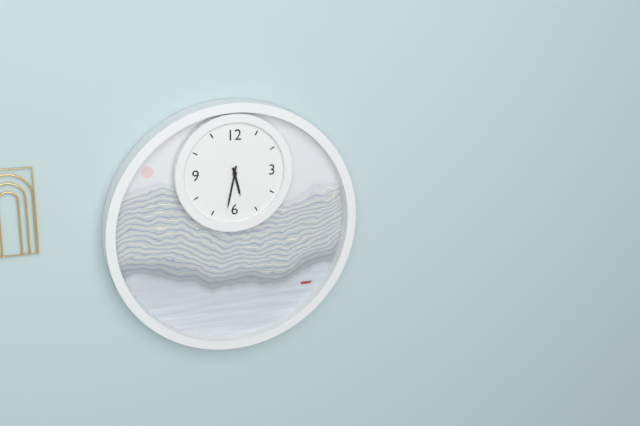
5:32
